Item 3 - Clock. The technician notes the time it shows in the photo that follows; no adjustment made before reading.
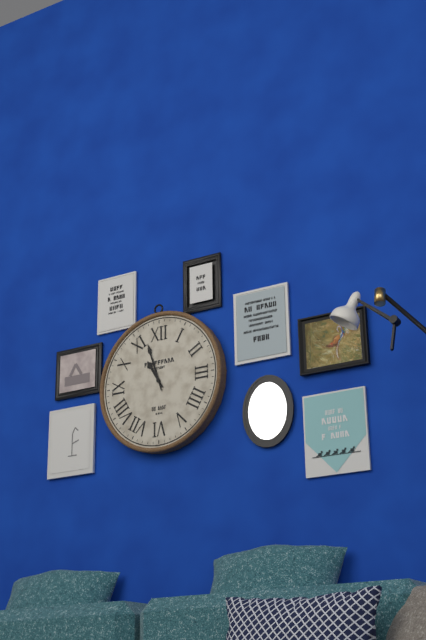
10:57
